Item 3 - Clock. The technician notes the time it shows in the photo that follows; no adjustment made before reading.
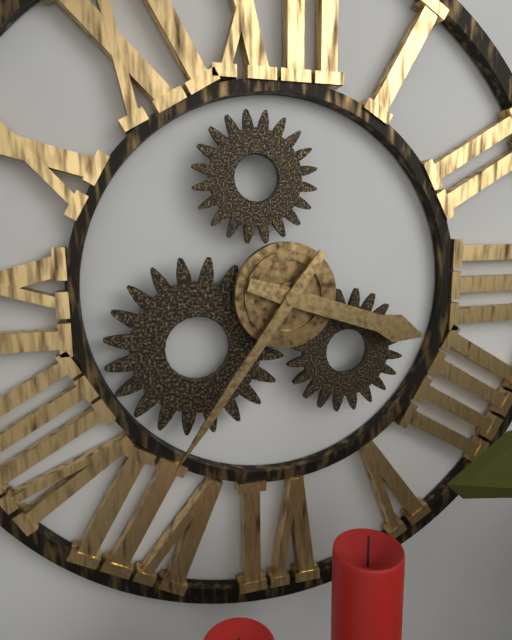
3:36
